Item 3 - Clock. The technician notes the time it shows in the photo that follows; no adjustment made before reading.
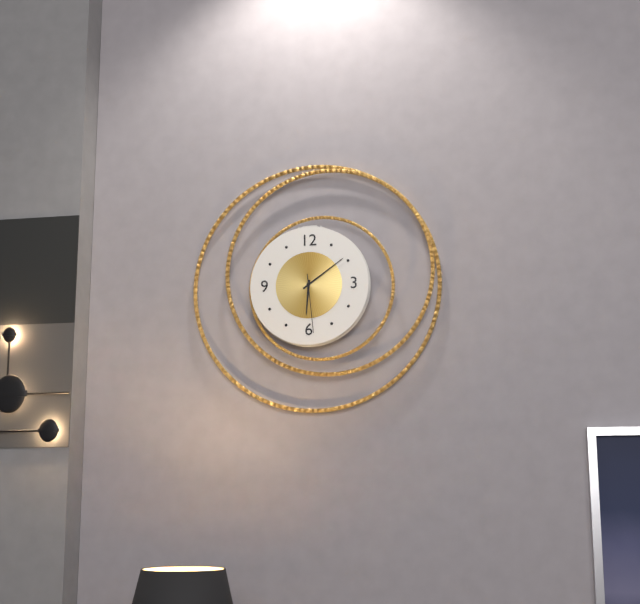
6:09:29
